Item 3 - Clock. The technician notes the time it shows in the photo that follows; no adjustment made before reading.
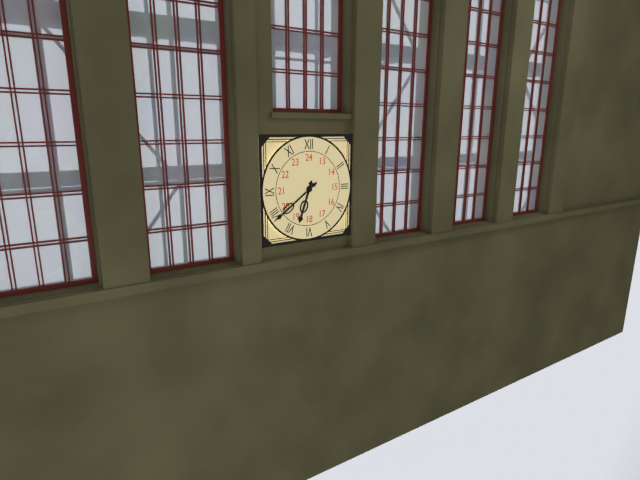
6:39
